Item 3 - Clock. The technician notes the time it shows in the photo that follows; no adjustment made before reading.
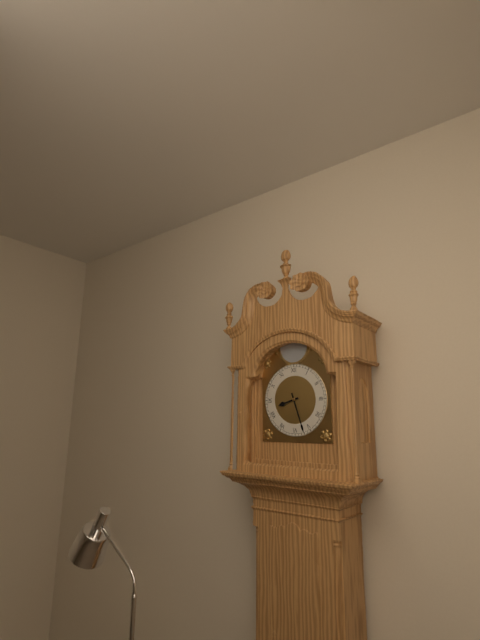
8:27
